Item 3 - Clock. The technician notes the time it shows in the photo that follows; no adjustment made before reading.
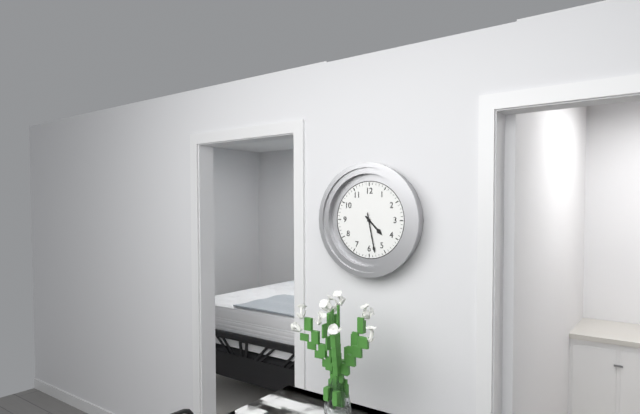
4:28
